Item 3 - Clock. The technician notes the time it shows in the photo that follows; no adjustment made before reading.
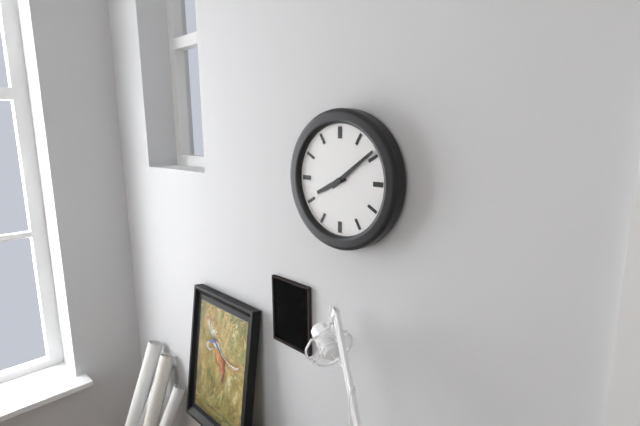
8:09
